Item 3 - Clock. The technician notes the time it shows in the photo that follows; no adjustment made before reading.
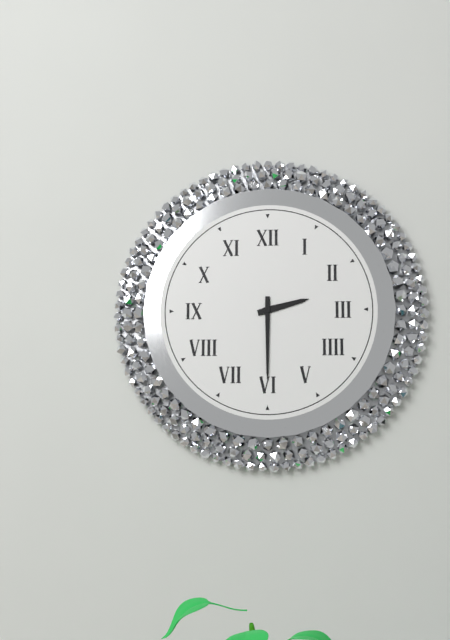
2:30
